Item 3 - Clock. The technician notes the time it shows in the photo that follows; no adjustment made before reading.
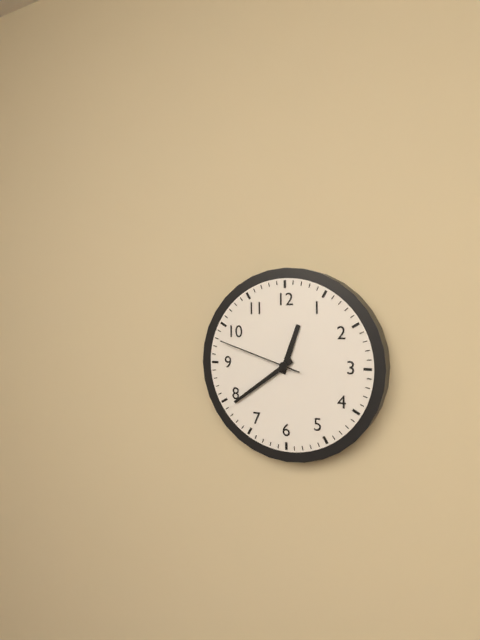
12:39:48
